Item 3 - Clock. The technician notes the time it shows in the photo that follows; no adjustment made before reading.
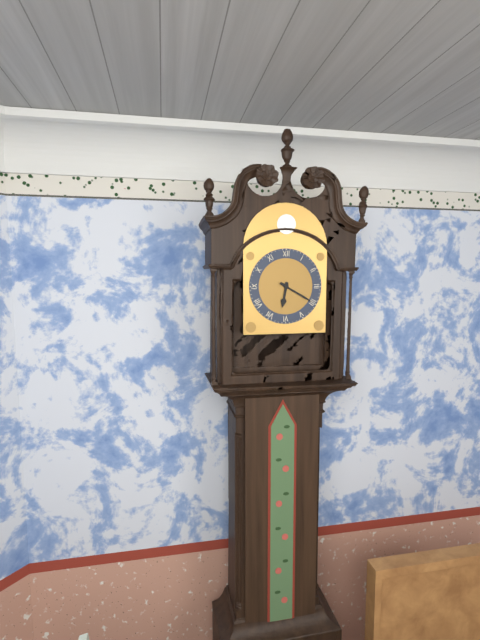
6:20
